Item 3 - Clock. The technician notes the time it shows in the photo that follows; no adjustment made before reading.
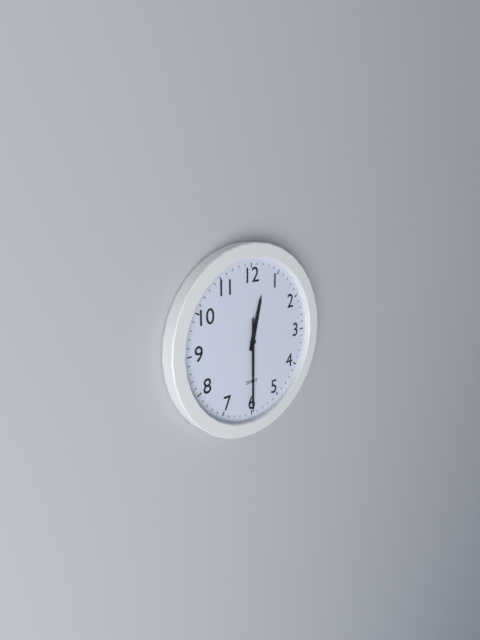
12:30
